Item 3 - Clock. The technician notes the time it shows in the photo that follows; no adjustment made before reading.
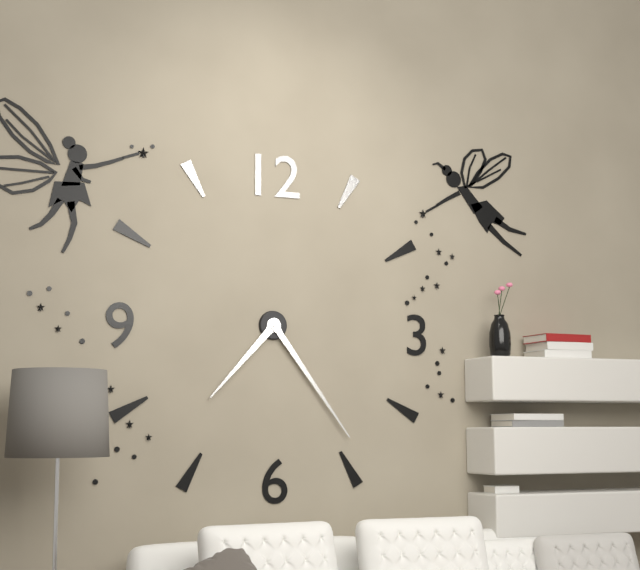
7:24
